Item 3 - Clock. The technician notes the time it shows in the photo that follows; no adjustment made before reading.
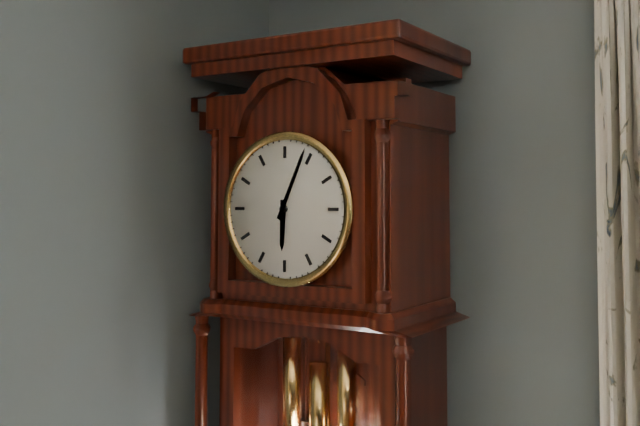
6:04
